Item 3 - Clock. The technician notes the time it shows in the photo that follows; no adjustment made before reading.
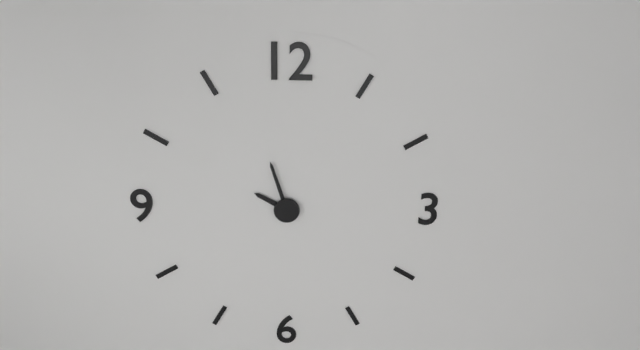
9:57
